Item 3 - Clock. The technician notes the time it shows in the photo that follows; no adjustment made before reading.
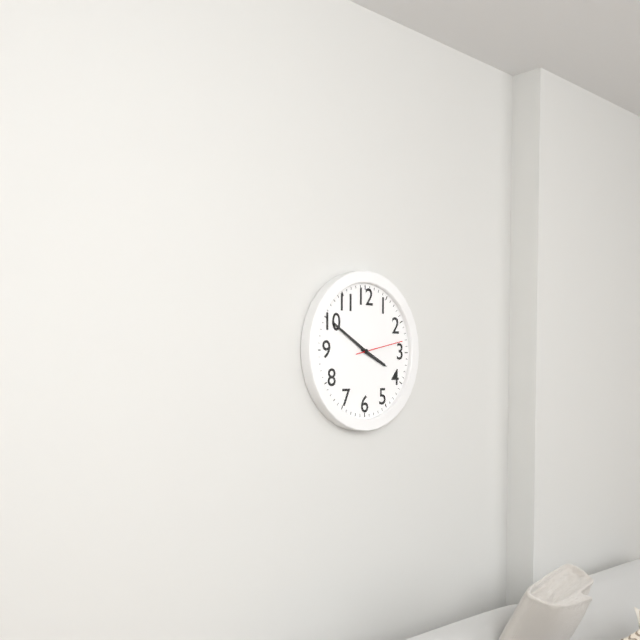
3:50
